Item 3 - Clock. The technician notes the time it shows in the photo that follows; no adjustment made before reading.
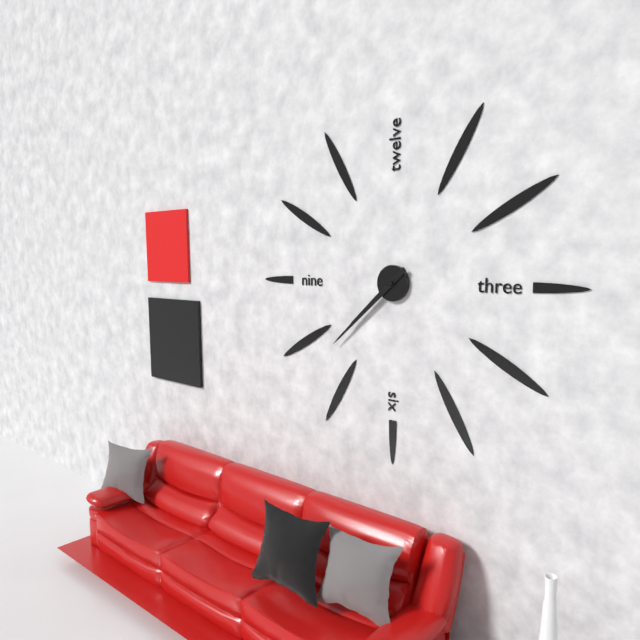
7:38
